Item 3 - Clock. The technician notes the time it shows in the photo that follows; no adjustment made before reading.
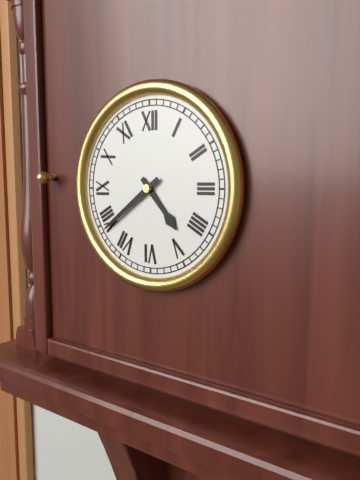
4:39
